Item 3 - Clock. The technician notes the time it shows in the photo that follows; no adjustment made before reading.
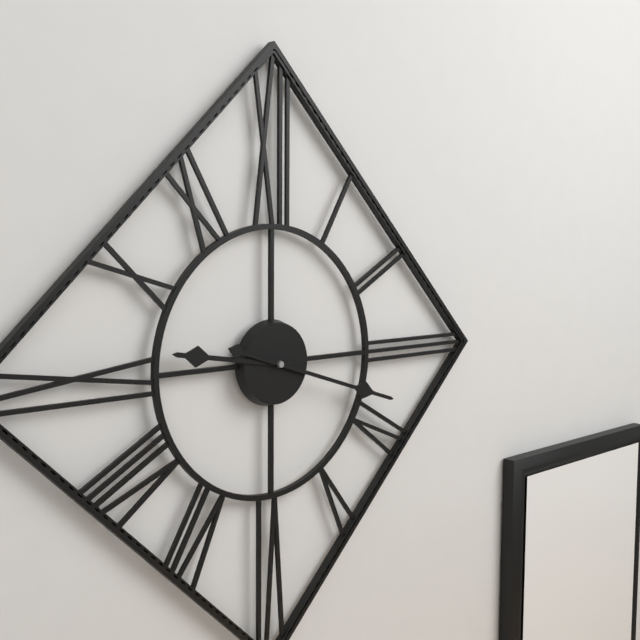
9:18
